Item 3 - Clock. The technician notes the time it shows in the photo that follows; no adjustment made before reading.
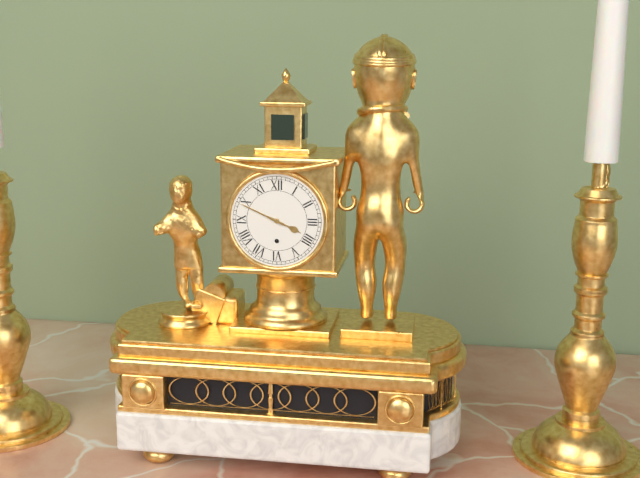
3:49
